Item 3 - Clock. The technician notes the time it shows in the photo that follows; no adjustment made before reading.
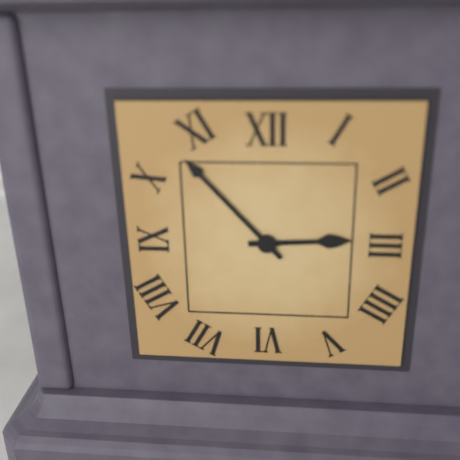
2:53
